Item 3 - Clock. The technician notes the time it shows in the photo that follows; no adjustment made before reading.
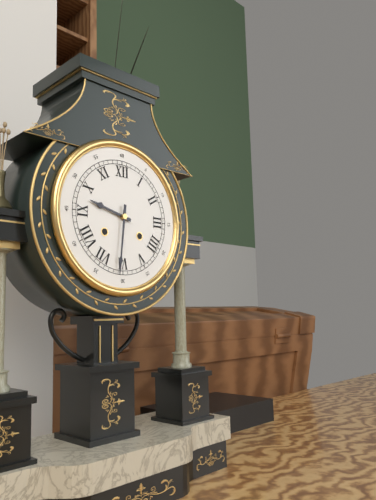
9:31
